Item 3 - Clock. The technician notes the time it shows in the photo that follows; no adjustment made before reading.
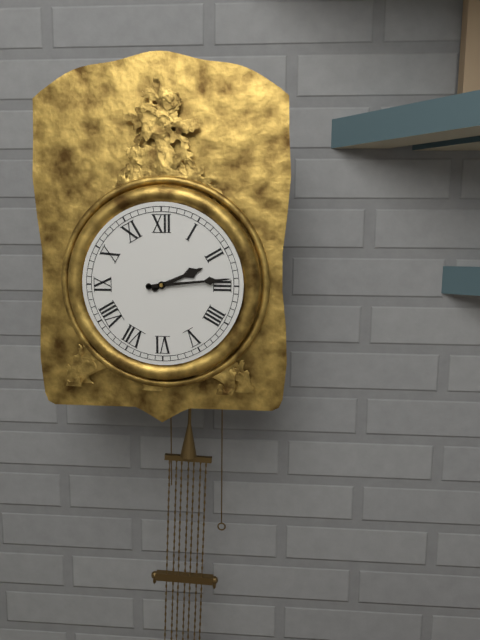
2:14
